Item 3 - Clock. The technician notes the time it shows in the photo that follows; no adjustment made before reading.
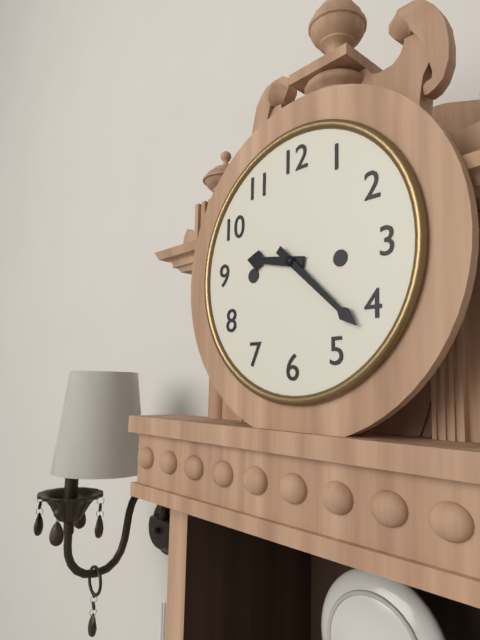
9:22
